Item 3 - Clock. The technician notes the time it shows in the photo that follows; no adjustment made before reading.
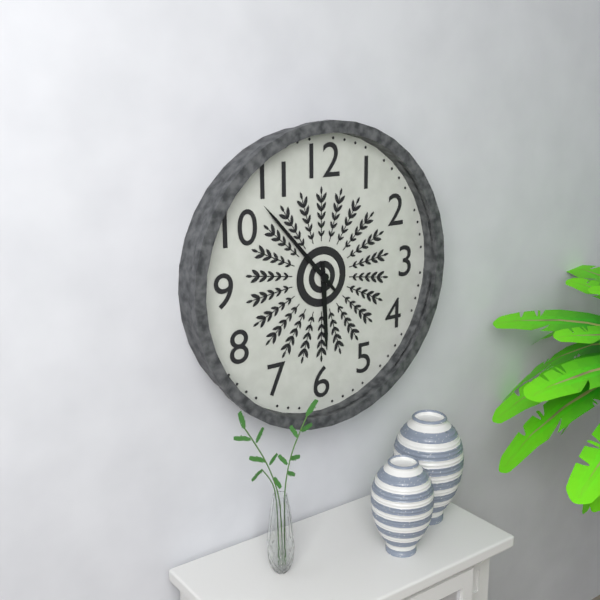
5:53
